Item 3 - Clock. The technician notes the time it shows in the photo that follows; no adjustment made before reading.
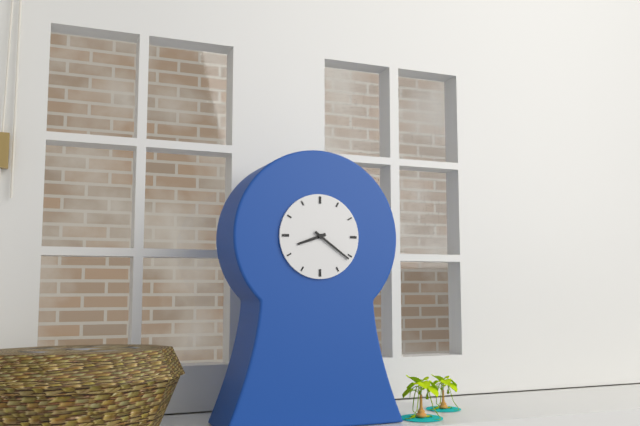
8:21
